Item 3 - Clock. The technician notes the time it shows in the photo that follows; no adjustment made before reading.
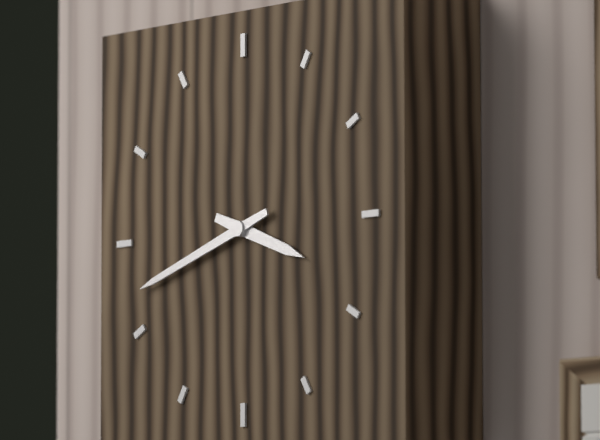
3:42
